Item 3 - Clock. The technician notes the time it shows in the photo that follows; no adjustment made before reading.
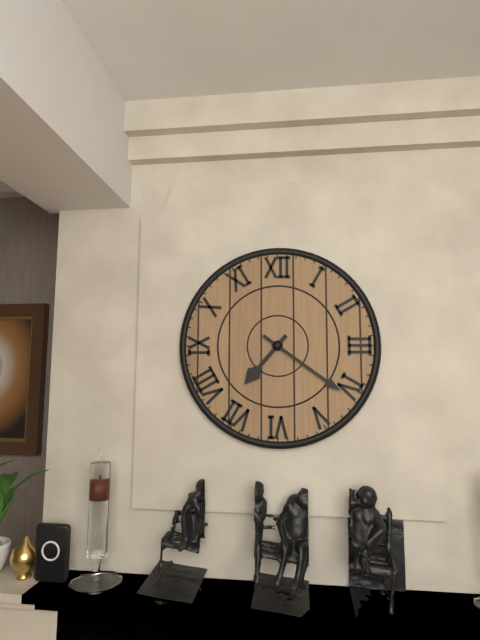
7:21
